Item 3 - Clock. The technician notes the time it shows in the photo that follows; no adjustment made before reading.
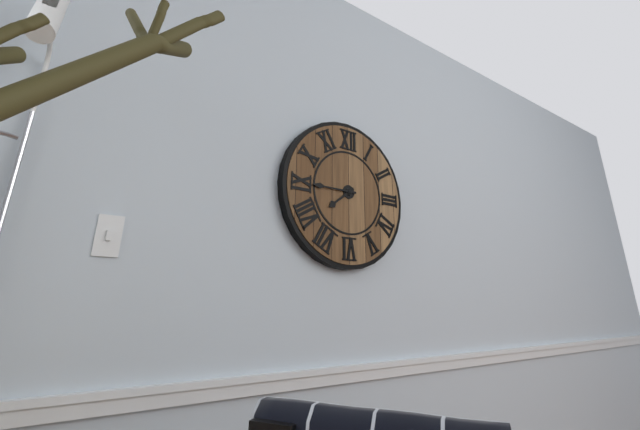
7:45
